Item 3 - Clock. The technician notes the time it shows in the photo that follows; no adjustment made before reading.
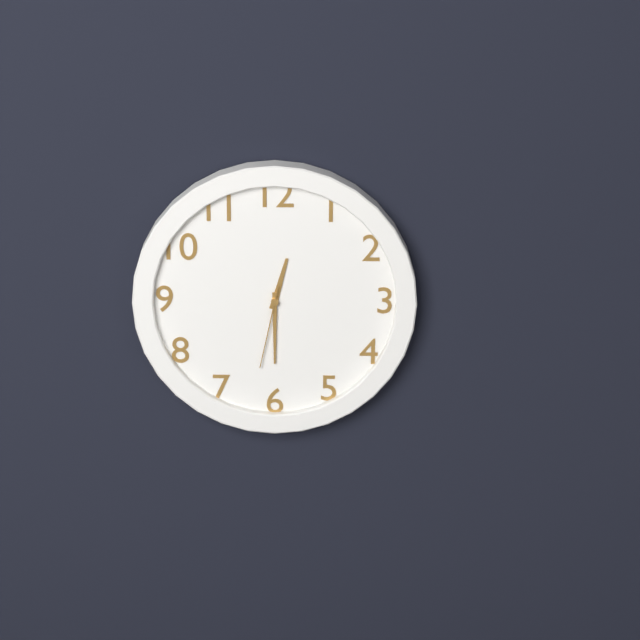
12:30:32
